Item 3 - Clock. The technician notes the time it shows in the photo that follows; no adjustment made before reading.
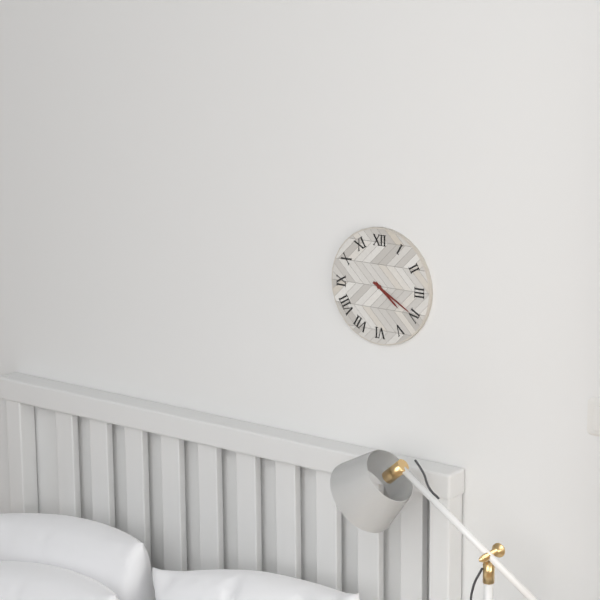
4:20
